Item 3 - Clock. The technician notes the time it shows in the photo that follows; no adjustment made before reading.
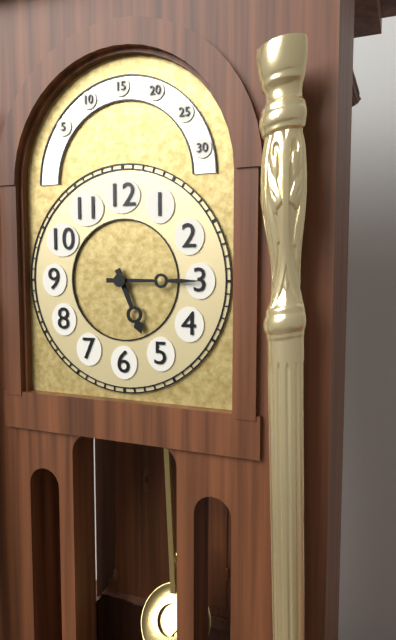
5:15
